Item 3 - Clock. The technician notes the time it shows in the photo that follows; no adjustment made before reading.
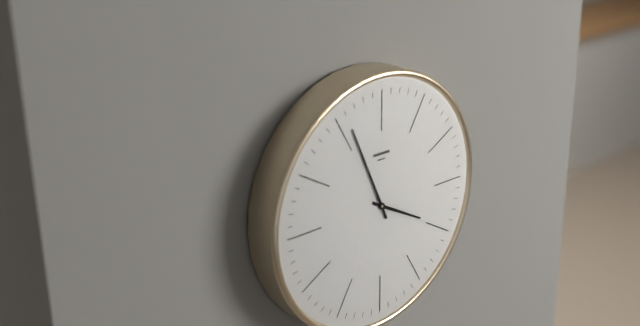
3:56
